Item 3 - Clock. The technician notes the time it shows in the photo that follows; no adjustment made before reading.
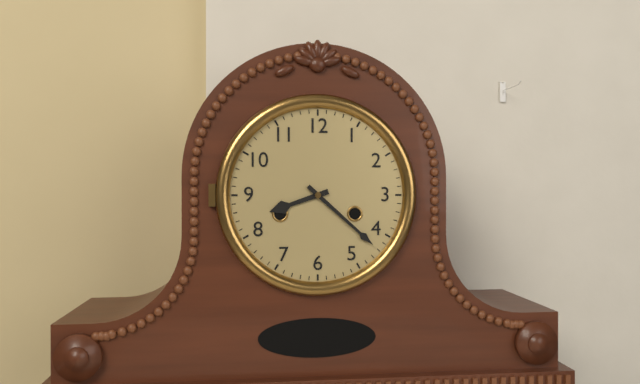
8:22
